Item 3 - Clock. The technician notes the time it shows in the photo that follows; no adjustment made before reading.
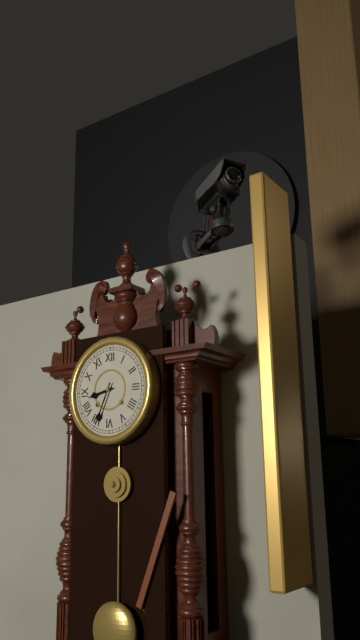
8:34
